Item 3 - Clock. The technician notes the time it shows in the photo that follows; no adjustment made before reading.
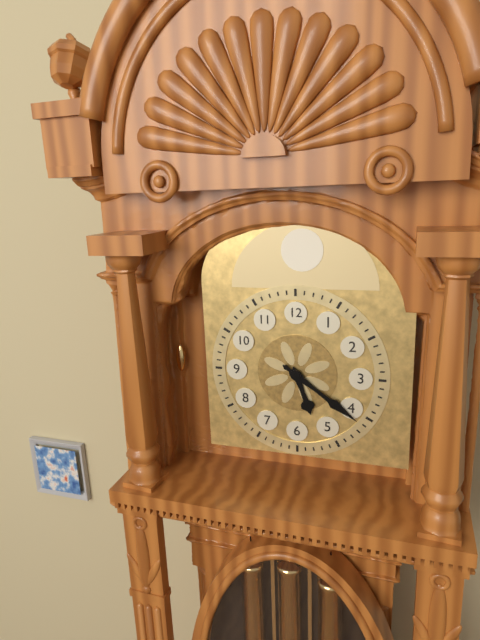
5:21
